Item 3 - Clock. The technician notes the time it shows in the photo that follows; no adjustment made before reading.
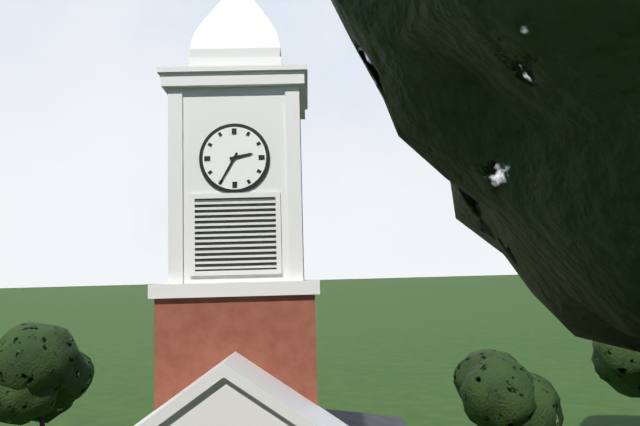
2:35
